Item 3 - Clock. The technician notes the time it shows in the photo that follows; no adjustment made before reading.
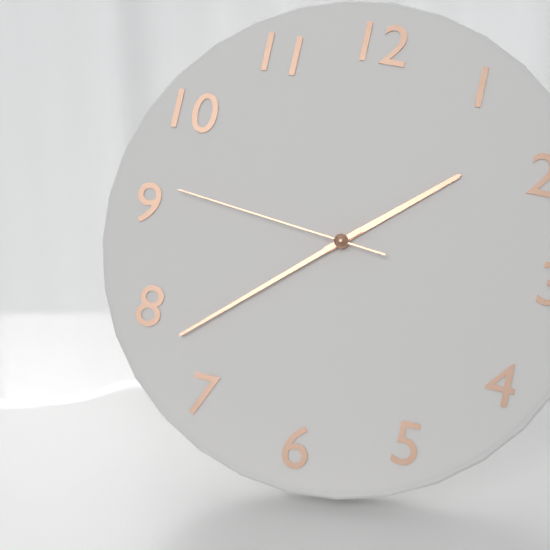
1:38:46
